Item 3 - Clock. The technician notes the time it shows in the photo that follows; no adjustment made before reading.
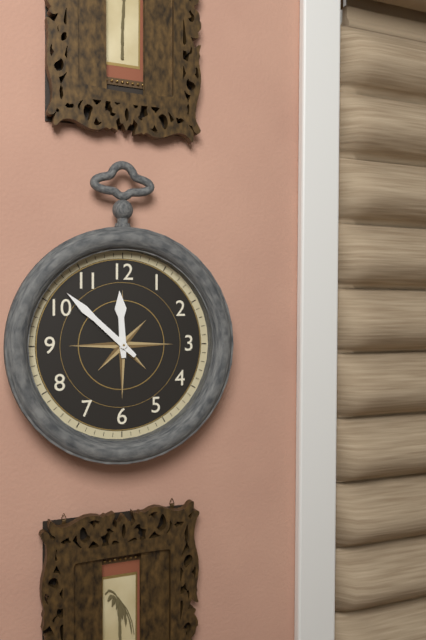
11:52
